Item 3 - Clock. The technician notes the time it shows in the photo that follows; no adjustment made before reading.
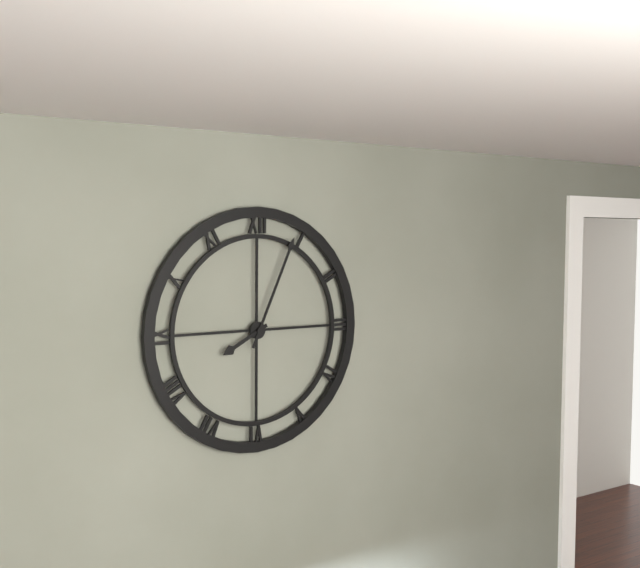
8:04
